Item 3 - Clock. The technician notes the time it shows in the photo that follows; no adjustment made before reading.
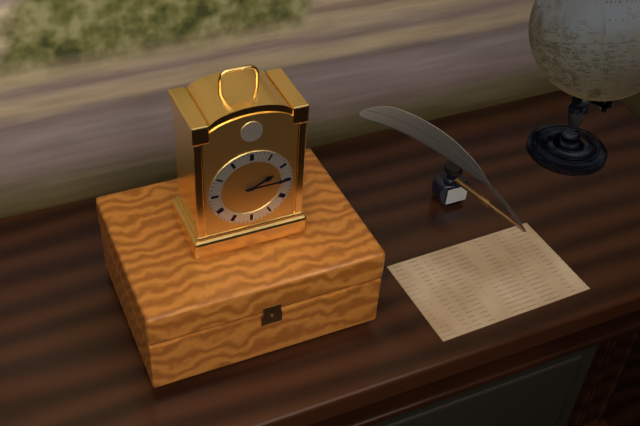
2:15
